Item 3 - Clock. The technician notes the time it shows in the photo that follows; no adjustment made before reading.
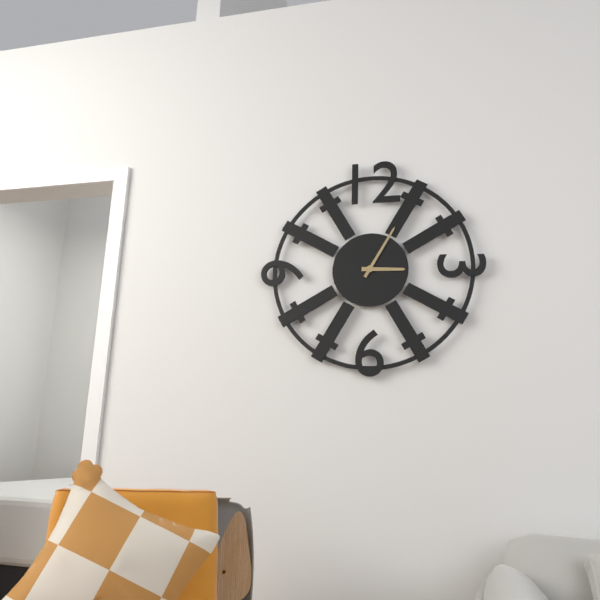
3:05
